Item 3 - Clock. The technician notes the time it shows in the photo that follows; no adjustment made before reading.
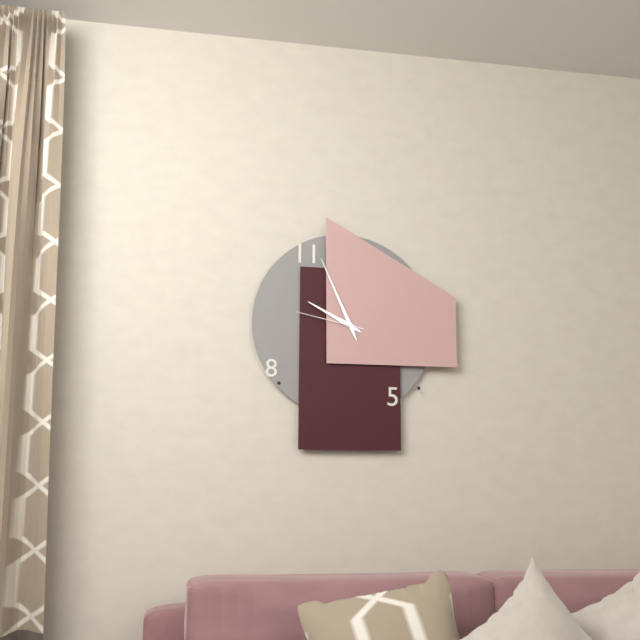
9:56:47
